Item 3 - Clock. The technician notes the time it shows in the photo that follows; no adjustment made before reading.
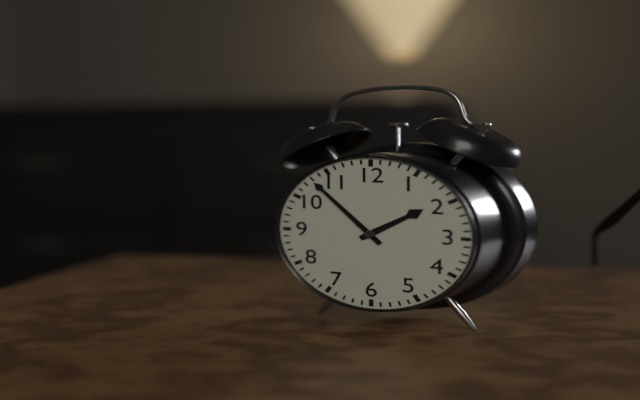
1:53
